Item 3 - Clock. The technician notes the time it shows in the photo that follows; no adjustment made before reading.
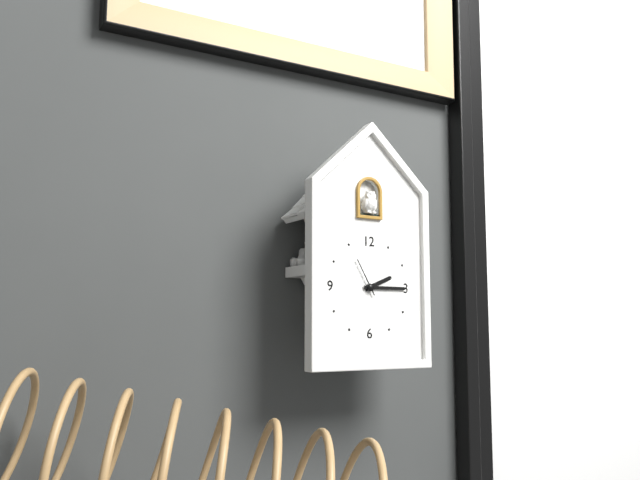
2:15:55
